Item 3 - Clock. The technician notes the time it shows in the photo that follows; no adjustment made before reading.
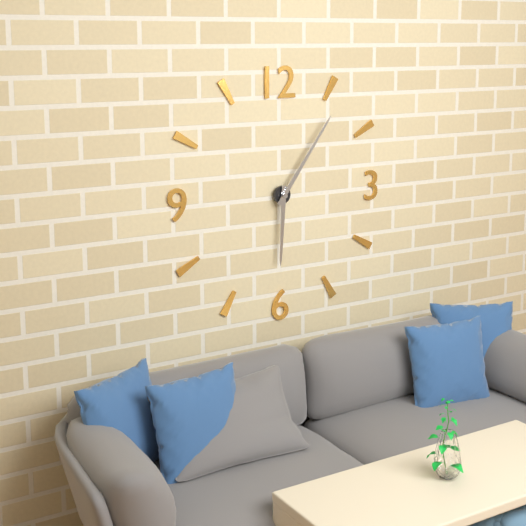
6:06
